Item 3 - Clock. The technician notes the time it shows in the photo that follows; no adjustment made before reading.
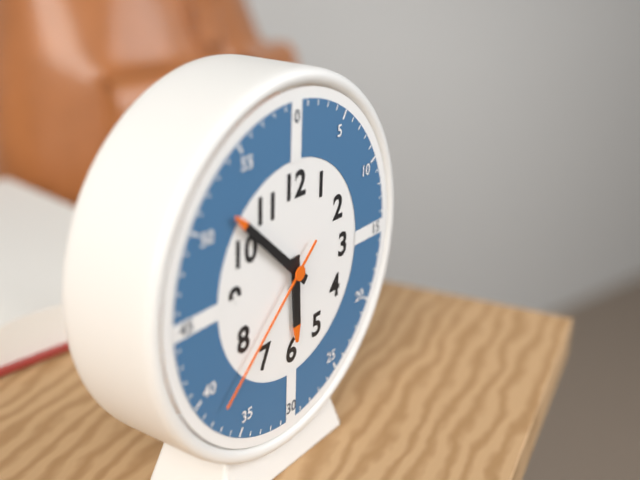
5:52:38
